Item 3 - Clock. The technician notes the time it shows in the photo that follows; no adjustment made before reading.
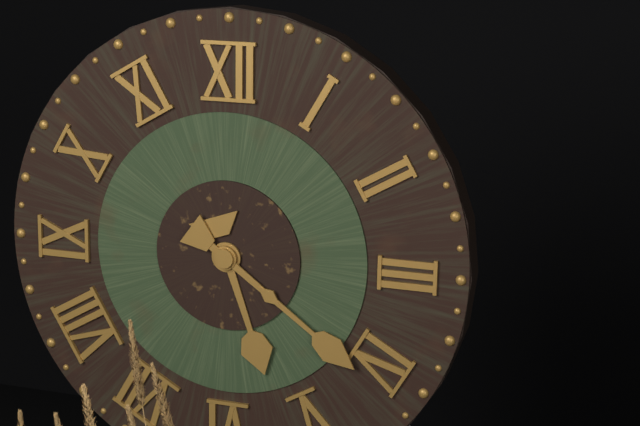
5:21
